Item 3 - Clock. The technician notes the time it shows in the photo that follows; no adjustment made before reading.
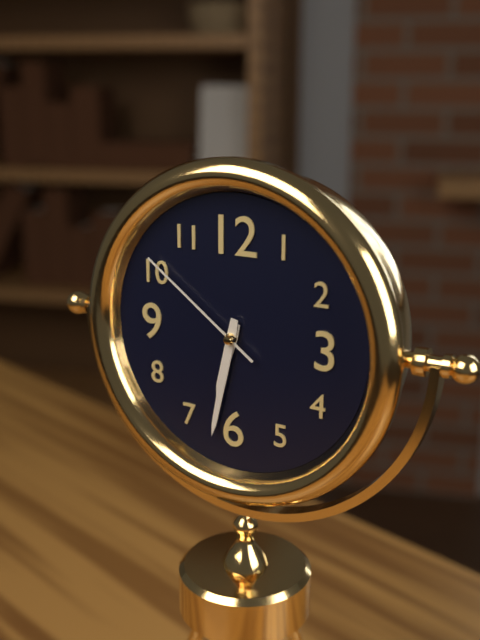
6:32:51
